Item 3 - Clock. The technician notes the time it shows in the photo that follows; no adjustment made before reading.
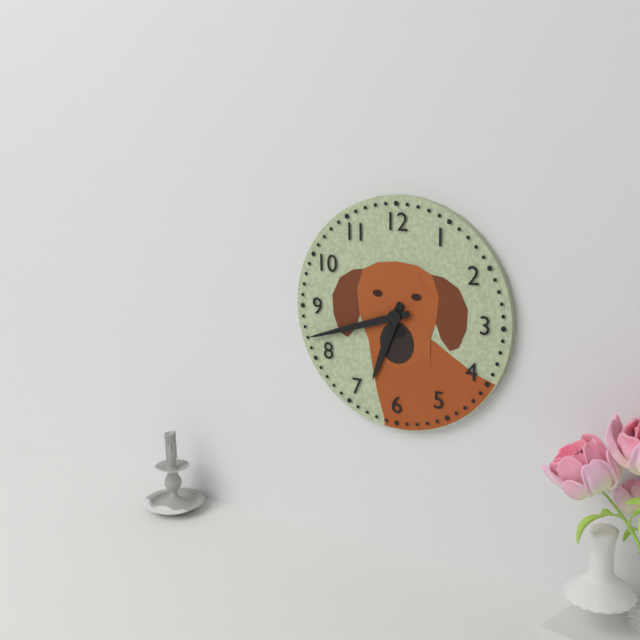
6:42
